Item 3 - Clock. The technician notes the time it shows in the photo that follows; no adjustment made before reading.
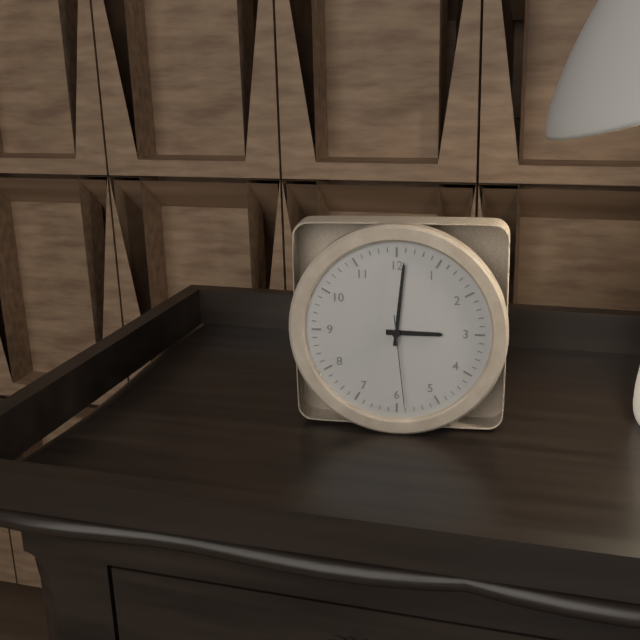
3:01:29
